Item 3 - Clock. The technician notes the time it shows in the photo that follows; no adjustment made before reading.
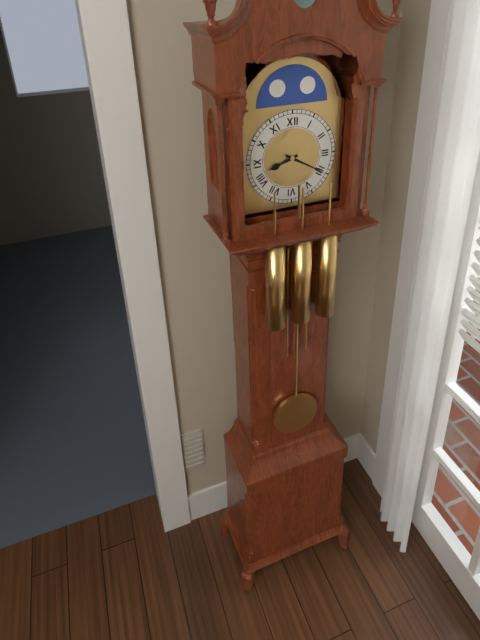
8:20
